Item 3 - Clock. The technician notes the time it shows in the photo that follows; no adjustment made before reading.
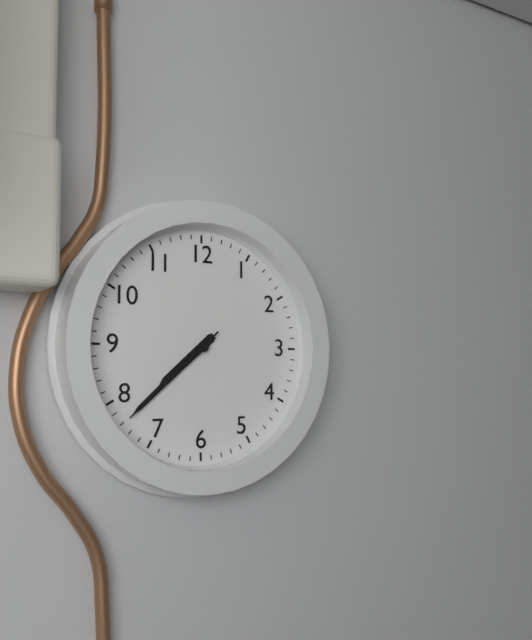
7:38:38
